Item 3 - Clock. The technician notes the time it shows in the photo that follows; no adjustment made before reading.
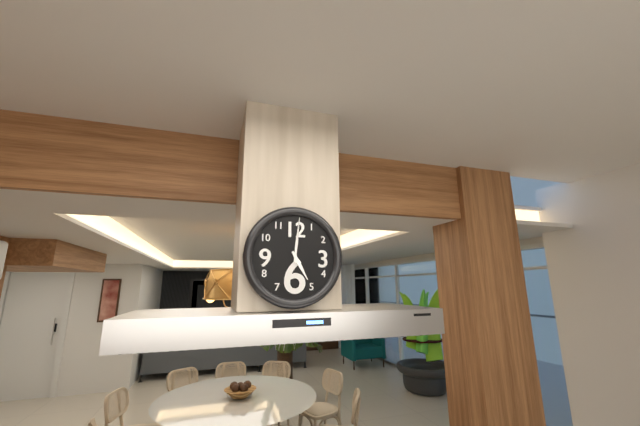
5:01
